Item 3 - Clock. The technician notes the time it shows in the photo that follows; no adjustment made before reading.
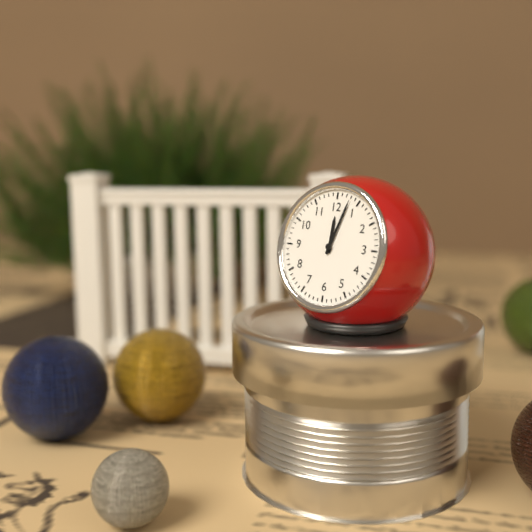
12:03
